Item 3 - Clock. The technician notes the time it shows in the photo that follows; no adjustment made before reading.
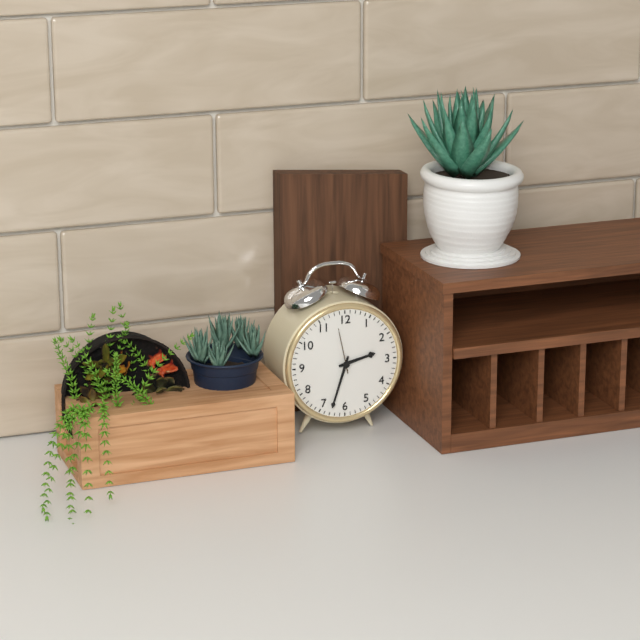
2:33
